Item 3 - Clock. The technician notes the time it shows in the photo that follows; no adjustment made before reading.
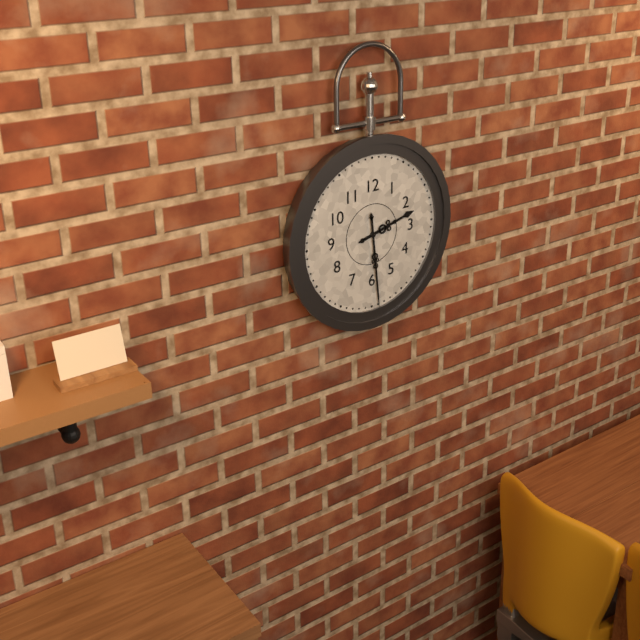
2:29
